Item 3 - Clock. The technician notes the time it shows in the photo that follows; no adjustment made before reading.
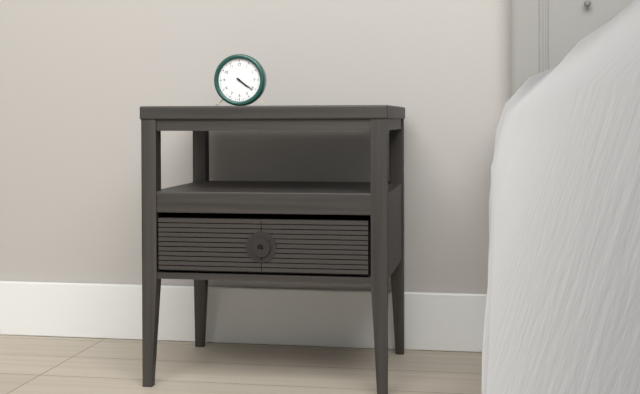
4:21
